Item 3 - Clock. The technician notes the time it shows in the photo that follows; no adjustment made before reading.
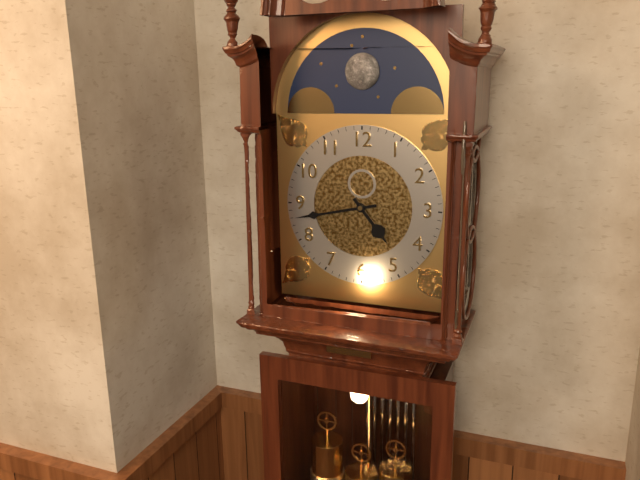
4:43
